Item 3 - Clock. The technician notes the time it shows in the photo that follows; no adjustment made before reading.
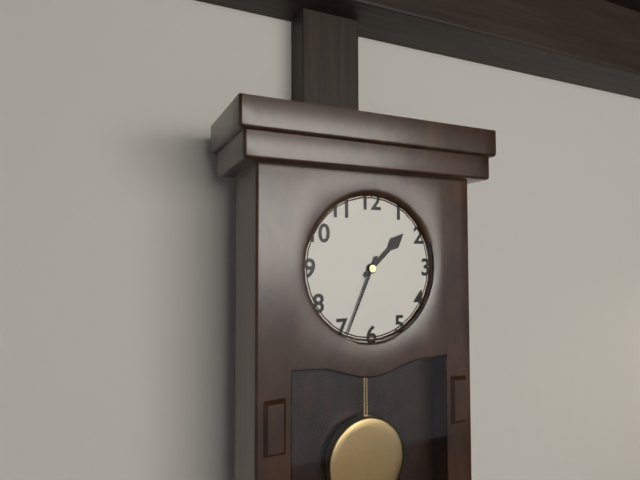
1:34
